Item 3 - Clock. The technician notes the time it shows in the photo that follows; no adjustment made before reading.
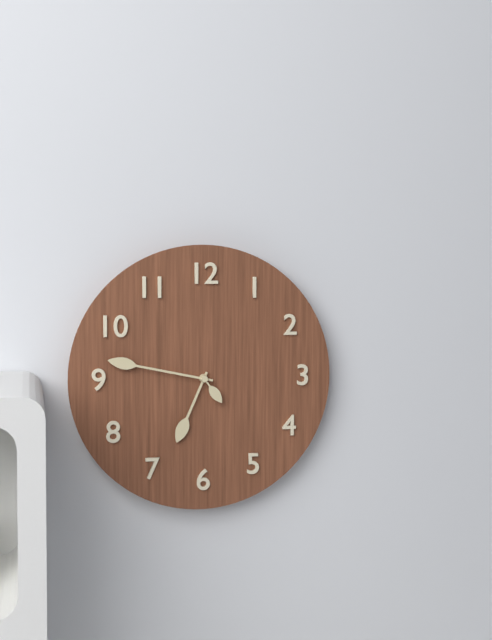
6:47
